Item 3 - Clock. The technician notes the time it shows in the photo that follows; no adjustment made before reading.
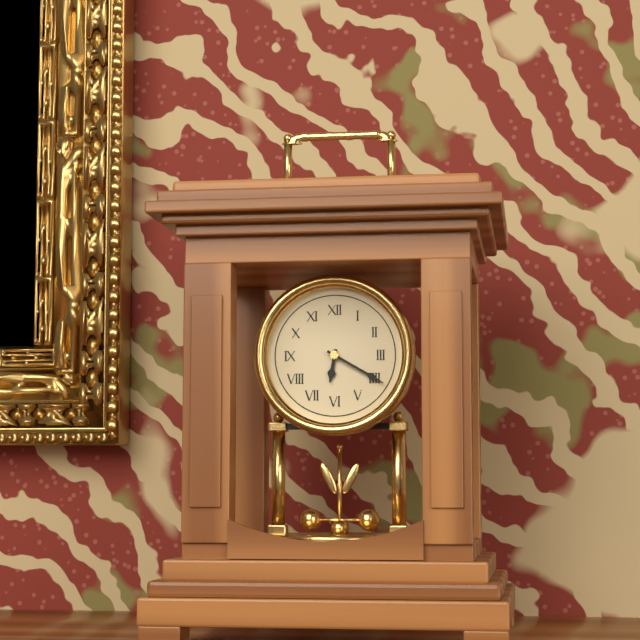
6:20
